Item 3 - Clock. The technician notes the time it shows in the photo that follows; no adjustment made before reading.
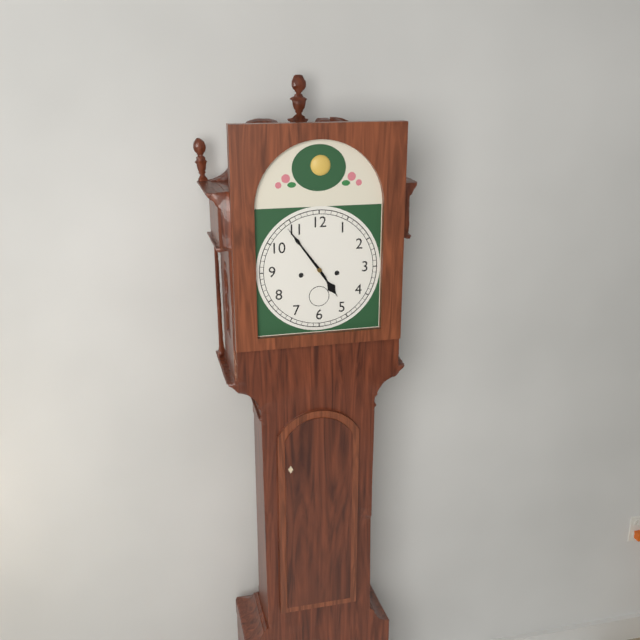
4:54
